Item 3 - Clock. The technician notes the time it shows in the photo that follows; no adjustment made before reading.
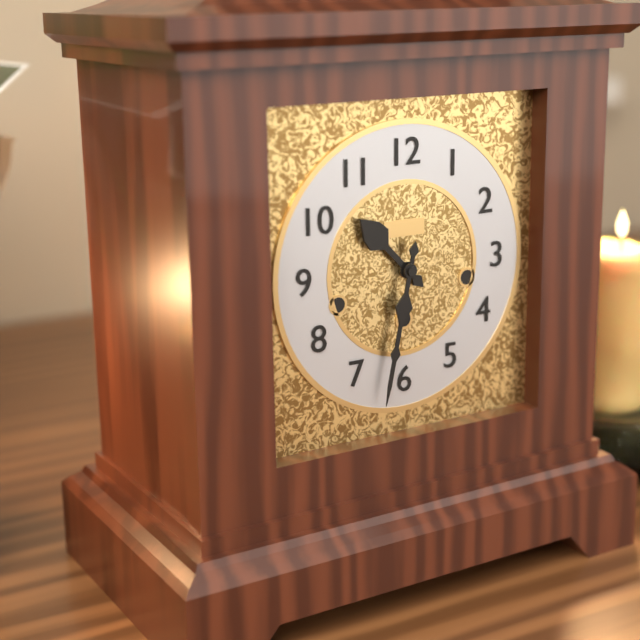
10:32
